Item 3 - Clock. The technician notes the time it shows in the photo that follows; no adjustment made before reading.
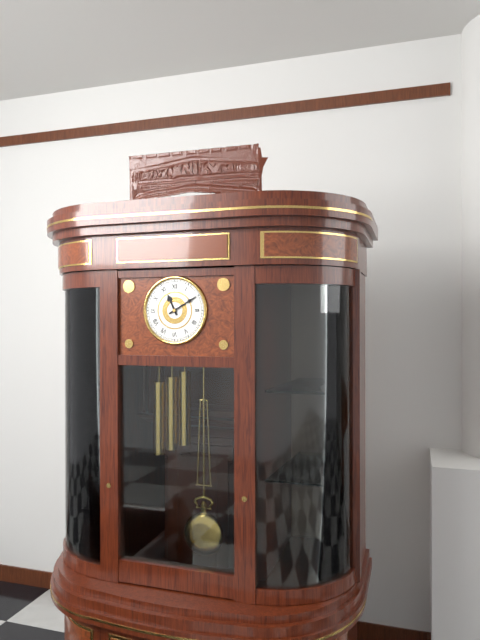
11:10
